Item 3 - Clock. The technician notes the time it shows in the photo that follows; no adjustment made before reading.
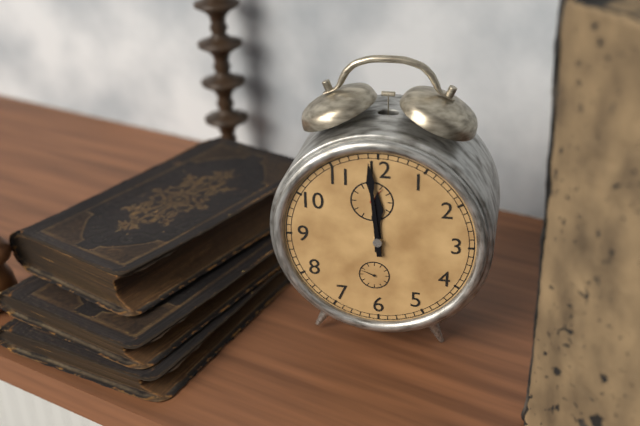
11:59
